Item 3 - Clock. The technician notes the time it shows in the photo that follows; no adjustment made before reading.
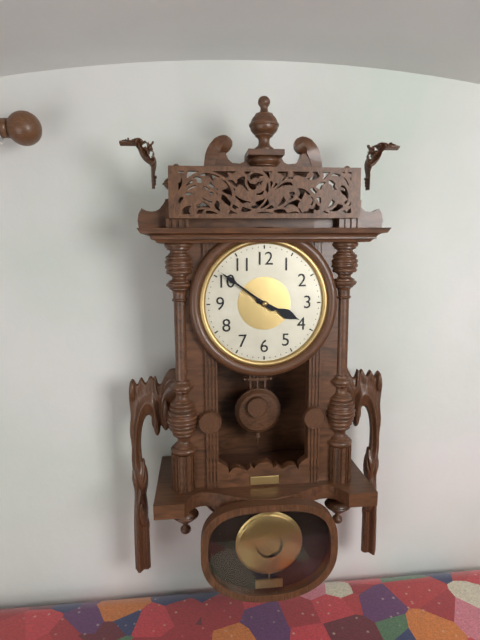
3:51
